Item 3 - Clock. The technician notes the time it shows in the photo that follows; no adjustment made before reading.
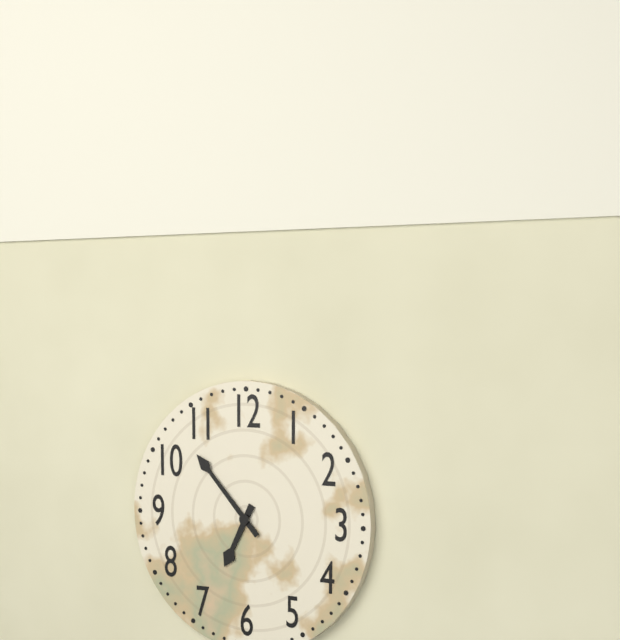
6:53
